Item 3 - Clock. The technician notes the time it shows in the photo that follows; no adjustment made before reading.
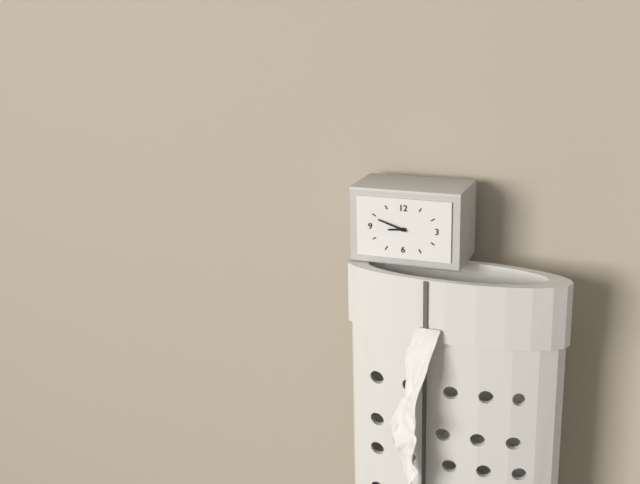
8:48
